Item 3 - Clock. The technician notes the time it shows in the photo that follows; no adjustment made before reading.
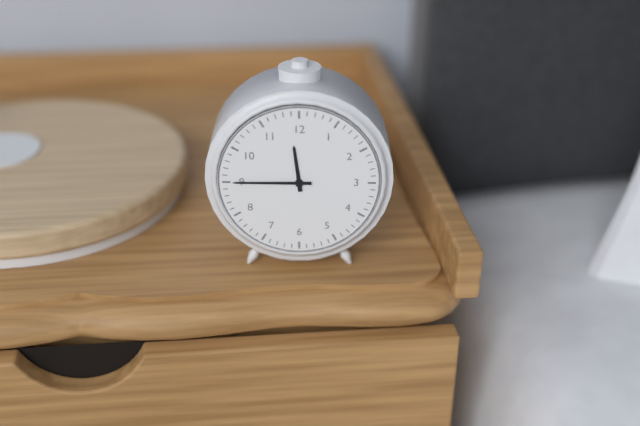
11:45
